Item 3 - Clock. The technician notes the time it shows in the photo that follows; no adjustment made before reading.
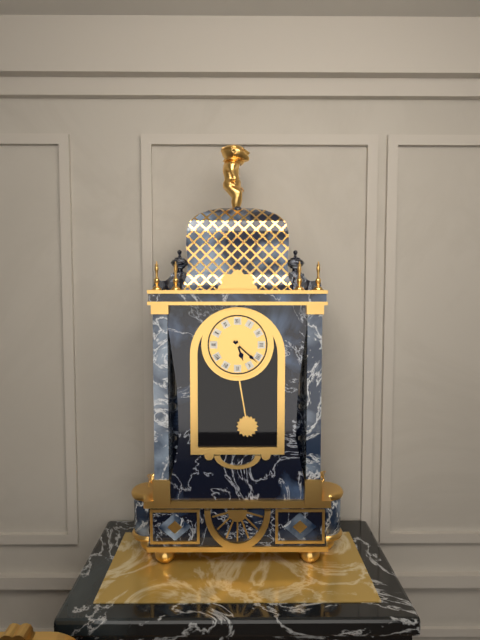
5:22
